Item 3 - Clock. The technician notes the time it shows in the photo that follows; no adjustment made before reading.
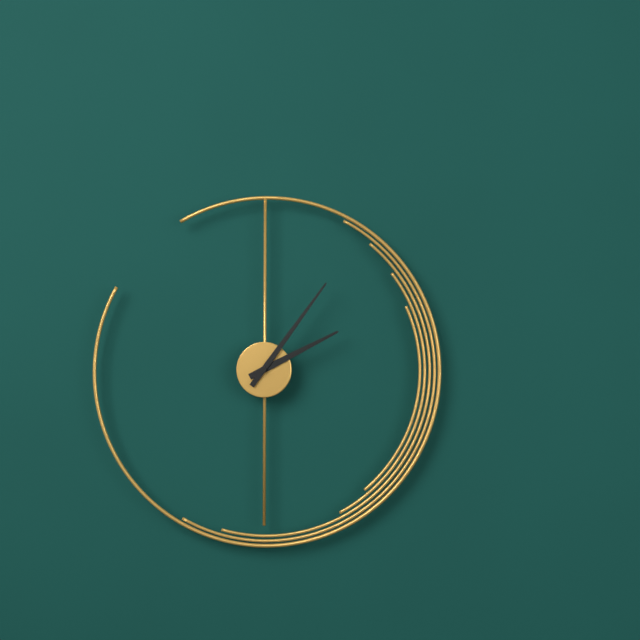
2:06
